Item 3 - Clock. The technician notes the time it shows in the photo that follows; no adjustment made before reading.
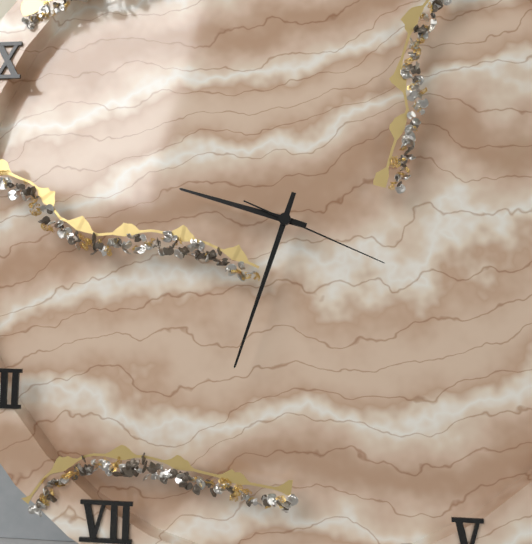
9:33:19
